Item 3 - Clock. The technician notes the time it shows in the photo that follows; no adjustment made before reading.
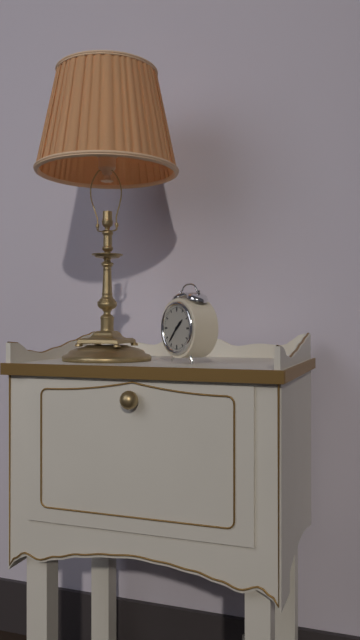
1:37
